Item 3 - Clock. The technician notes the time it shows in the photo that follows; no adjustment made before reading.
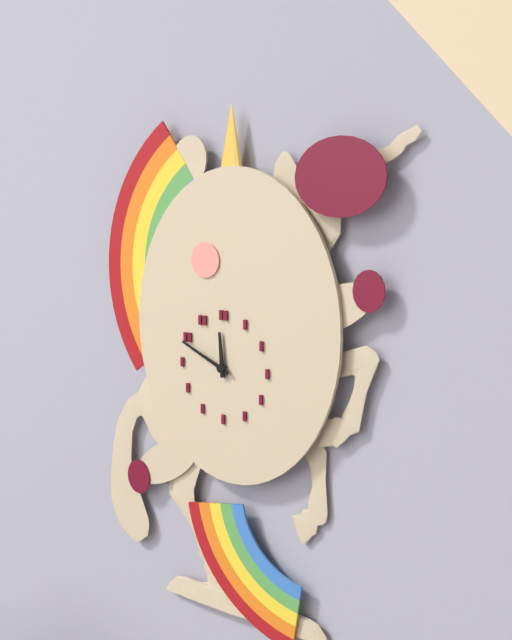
11:49
